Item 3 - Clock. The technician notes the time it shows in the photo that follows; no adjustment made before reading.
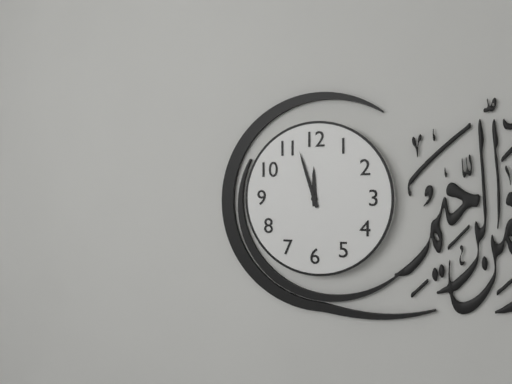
11:57
